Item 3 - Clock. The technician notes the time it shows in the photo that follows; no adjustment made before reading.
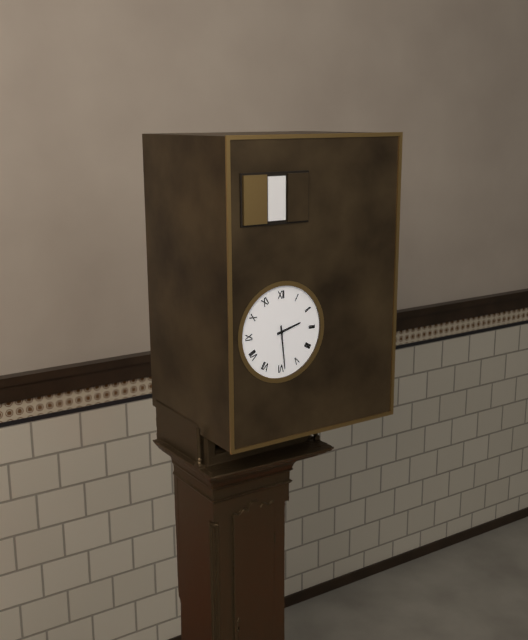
2:29
